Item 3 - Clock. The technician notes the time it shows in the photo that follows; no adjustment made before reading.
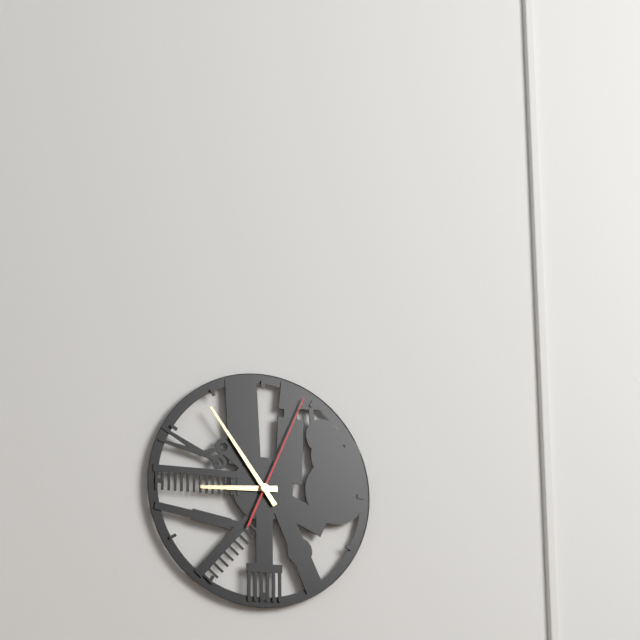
8:54:04
